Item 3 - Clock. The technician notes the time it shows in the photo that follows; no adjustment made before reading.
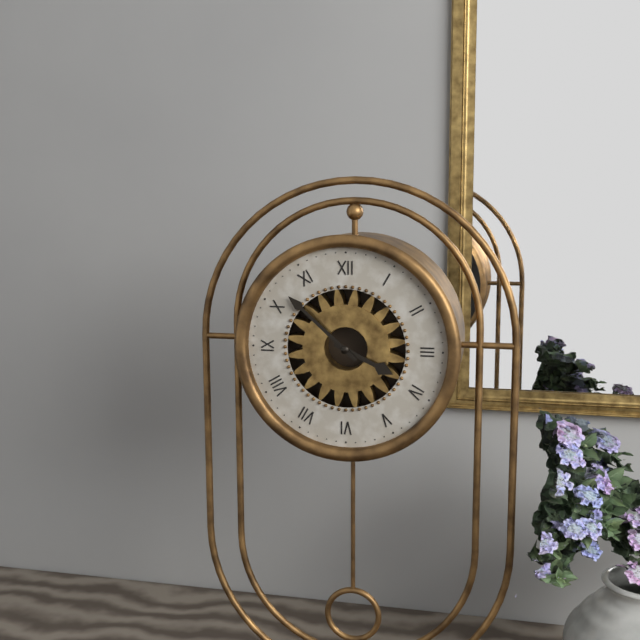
3:52
